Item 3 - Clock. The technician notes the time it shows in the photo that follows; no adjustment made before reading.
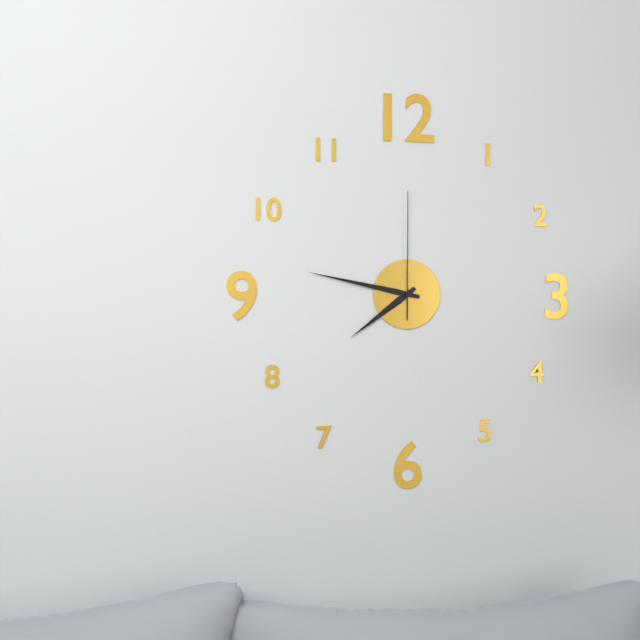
7:47:00
